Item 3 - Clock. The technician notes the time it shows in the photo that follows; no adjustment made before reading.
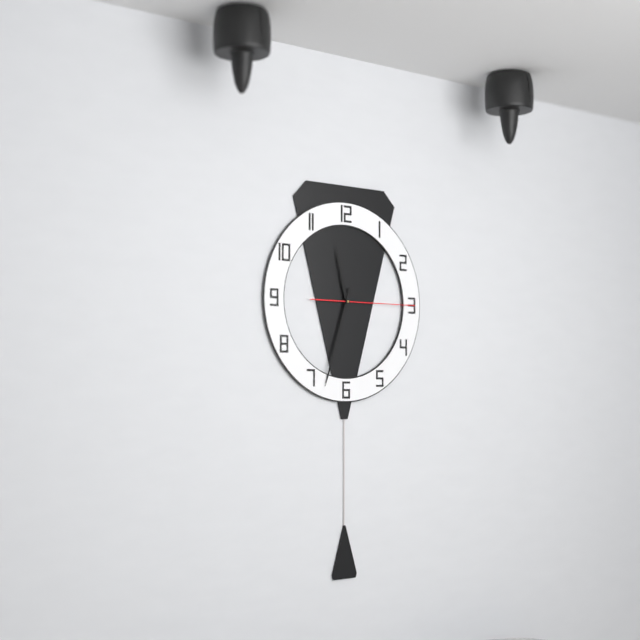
11:33:15
